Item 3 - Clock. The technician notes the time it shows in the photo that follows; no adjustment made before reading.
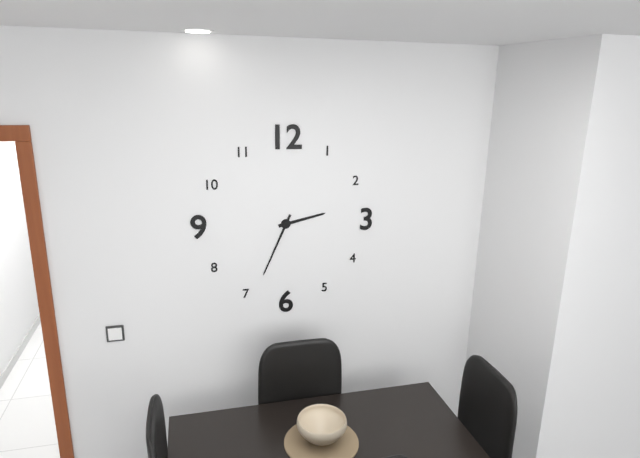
2:34
